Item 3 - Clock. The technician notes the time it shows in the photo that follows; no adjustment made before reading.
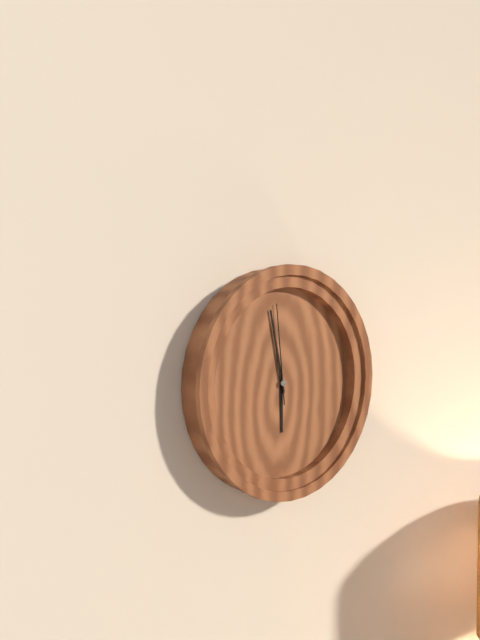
5:58:59
